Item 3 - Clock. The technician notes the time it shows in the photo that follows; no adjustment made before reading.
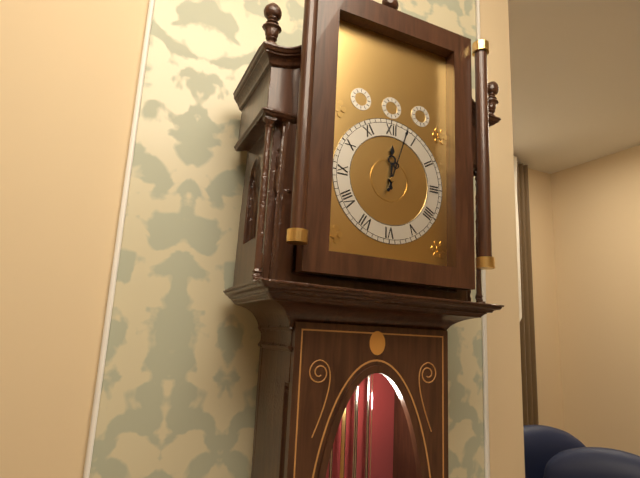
12:03
